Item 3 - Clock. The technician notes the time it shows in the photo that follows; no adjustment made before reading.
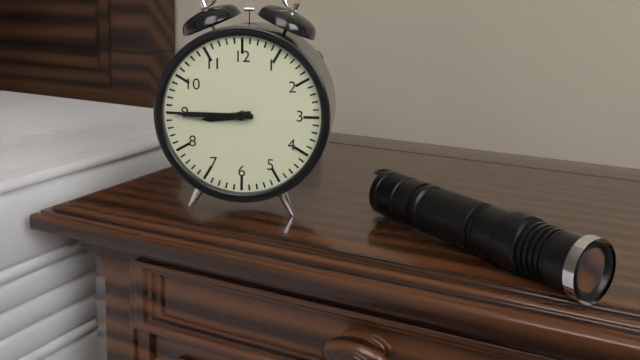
8:45
